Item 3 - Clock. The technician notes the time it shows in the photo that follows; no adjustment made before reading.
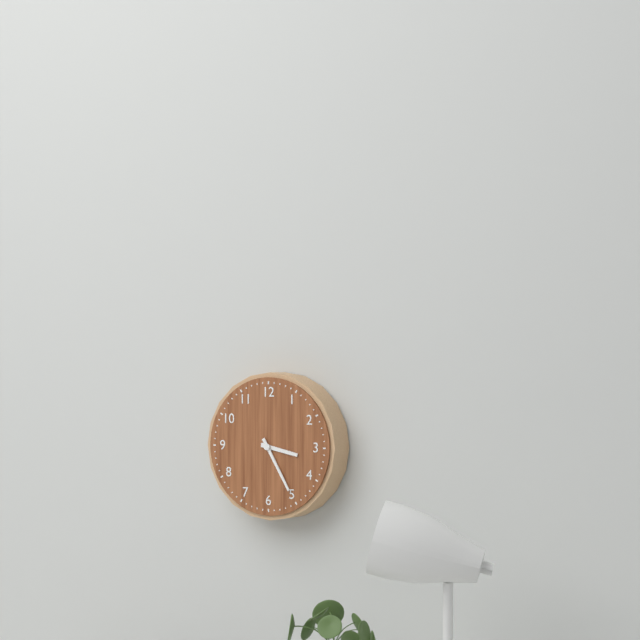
3:25
